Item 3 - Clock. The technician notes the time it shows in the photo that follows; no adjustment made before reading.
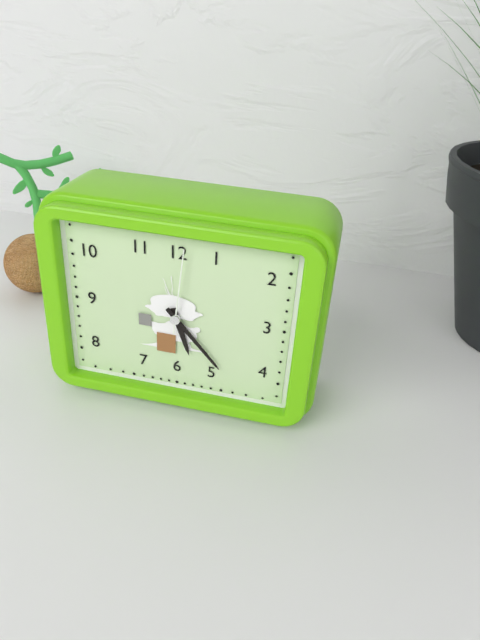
5:23:01
